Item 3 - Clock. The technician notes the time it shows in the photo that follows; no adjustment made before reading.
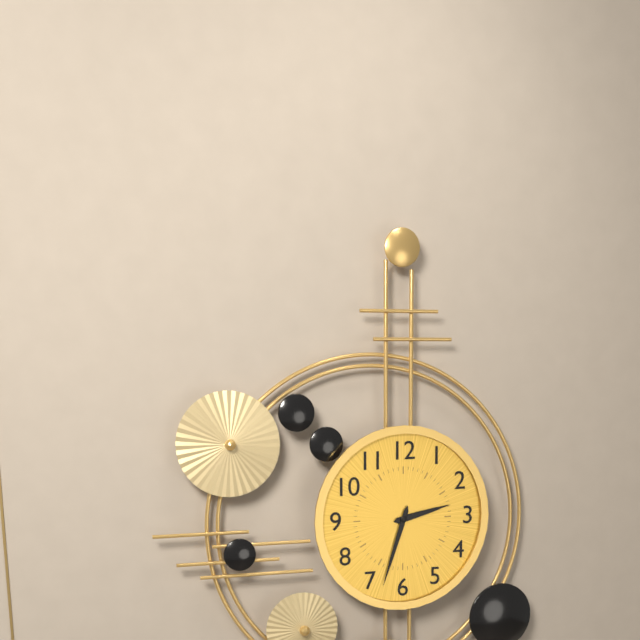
2:33
